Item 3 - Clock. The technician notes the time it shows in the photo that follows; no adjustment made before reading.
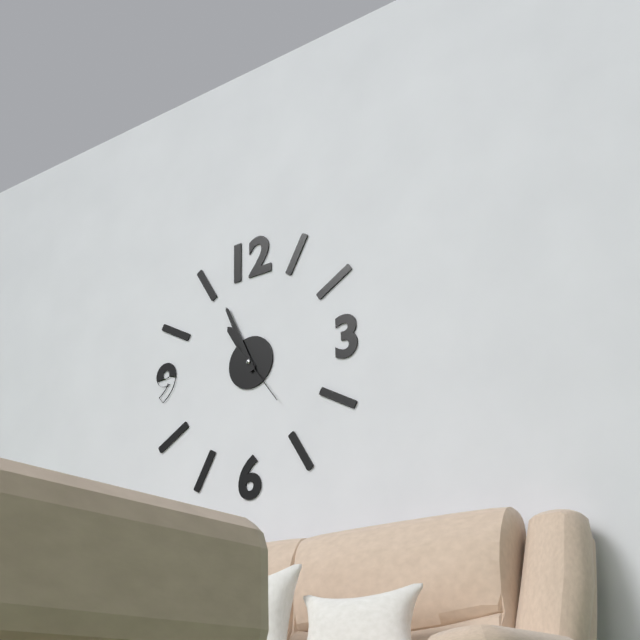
10:56:24
